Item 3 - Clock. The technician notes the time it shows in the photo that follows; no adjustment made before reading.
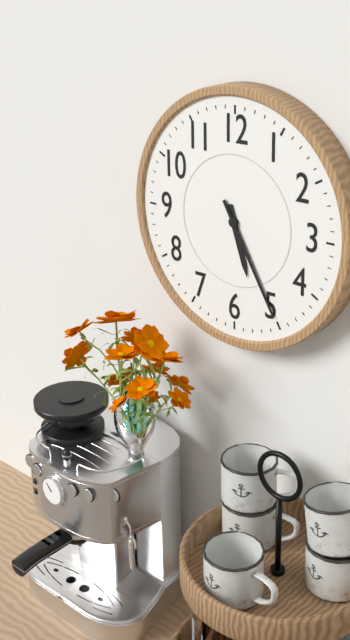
5:25
